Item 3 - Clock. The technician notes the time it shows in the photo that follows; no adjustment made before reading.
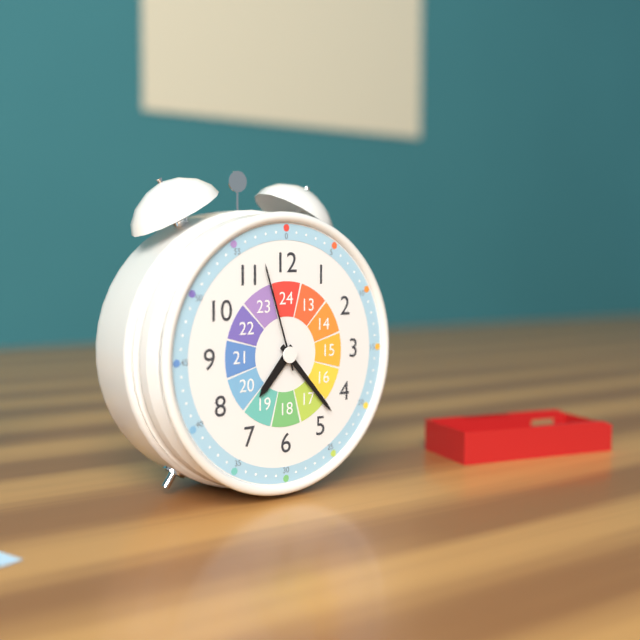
7:23:57
